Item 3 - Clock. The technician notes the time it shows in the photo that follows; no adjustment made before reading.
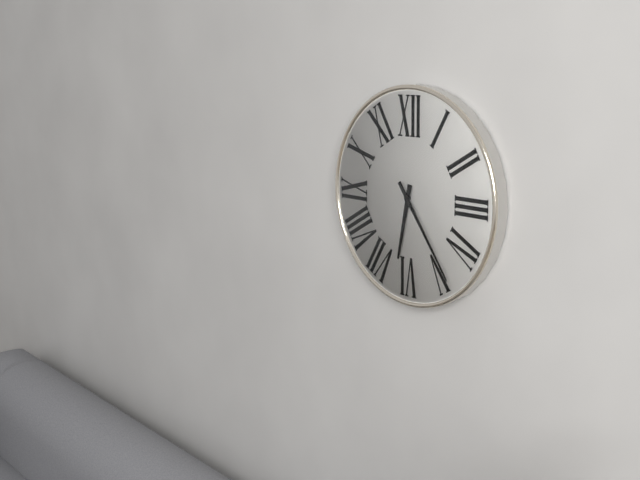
6:24
